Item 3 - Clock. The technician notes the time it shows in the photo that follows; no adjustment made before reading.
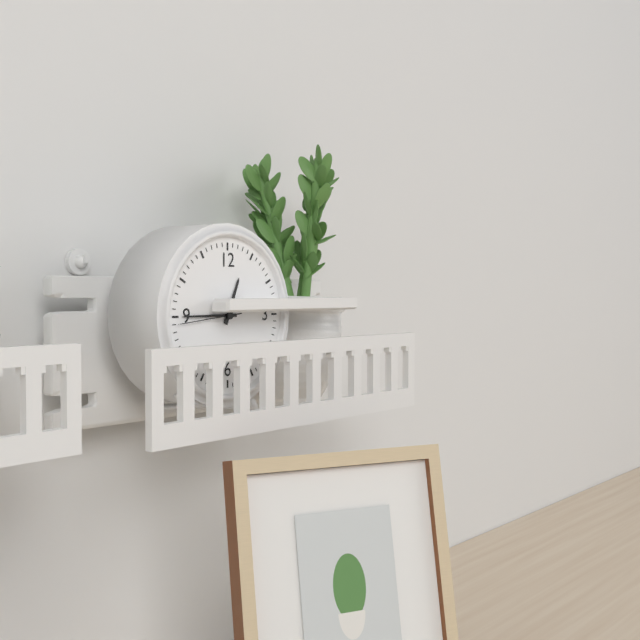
12:45:44
